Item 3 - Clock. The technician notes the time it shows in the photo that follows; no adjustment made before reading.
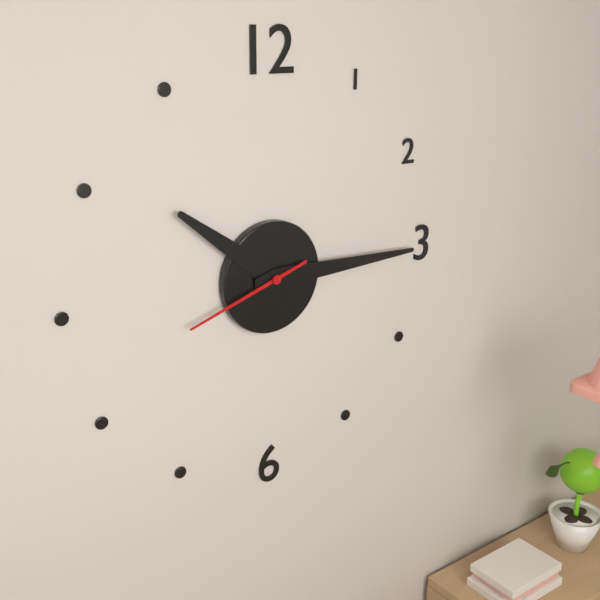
10:15:42
